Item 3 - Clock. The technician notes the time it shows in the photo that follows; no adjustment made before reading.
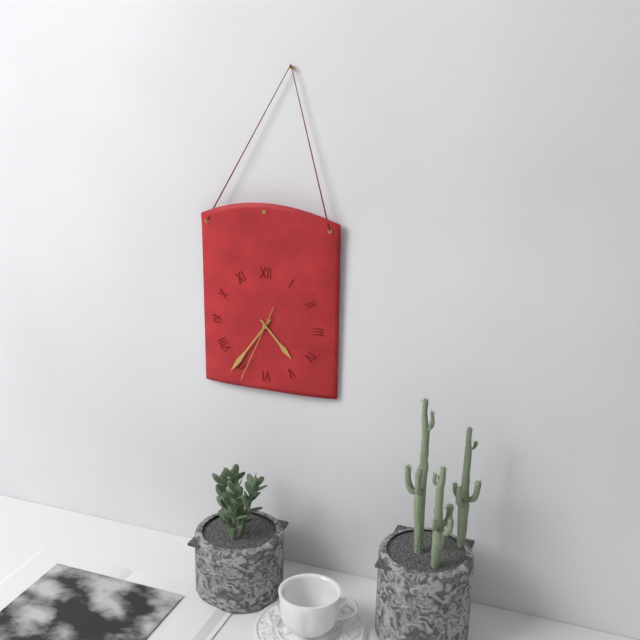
4:36:34
